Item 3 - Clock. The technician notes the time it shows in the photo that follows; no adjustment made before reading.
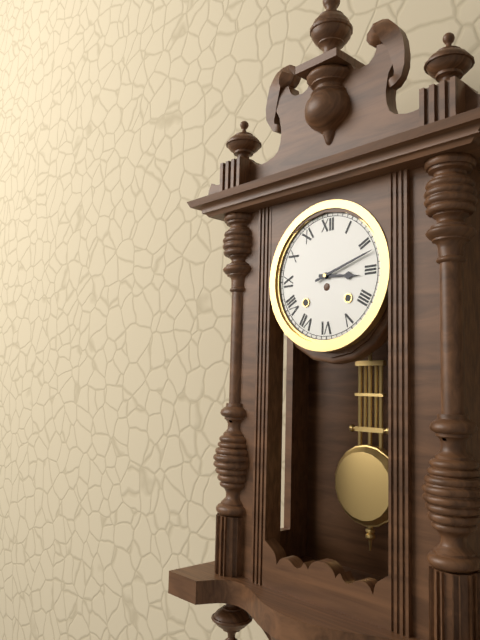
3:12
